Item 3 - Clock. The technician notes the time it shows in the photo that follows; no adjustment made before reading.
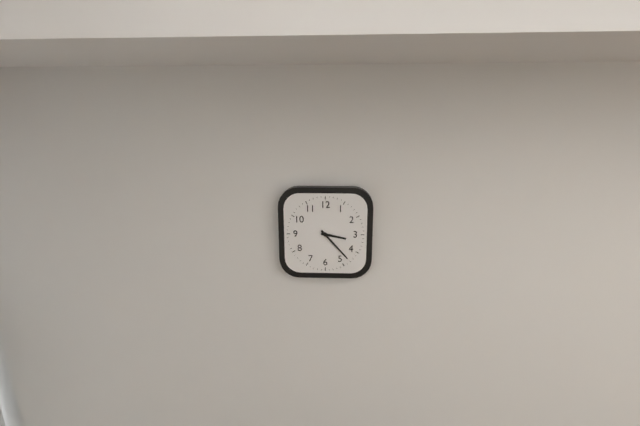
3:23
